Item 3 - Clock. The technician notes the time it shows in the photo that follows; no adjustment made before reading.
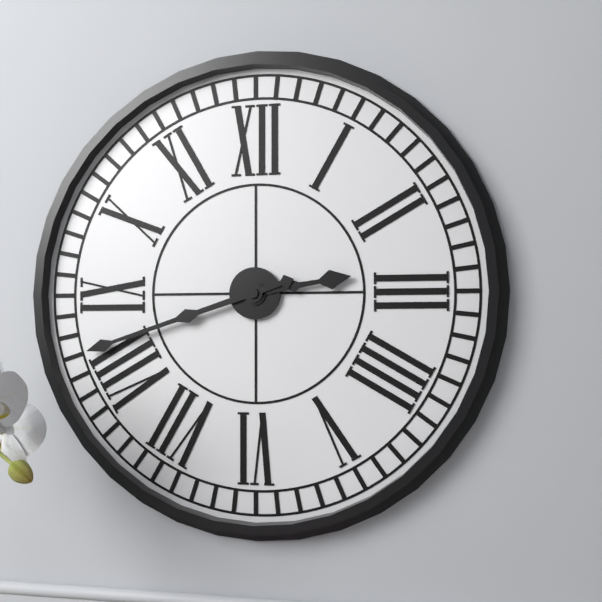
2:42
